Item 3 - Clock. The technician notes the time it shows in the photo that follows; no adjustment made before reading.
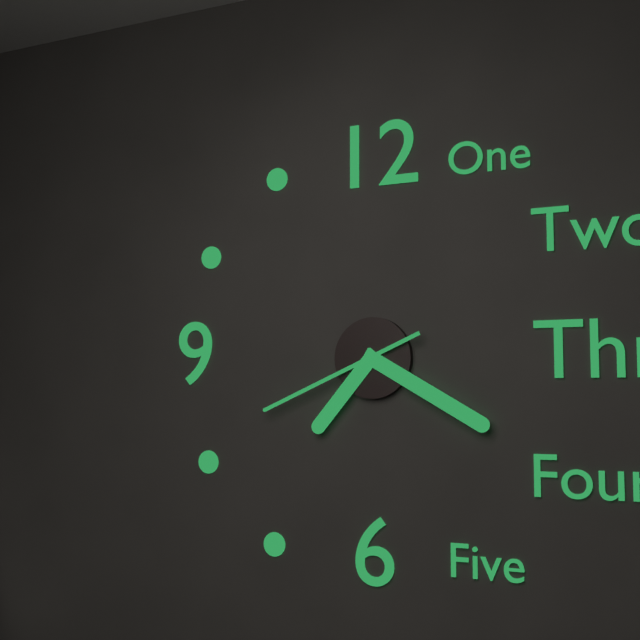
7:20:41
